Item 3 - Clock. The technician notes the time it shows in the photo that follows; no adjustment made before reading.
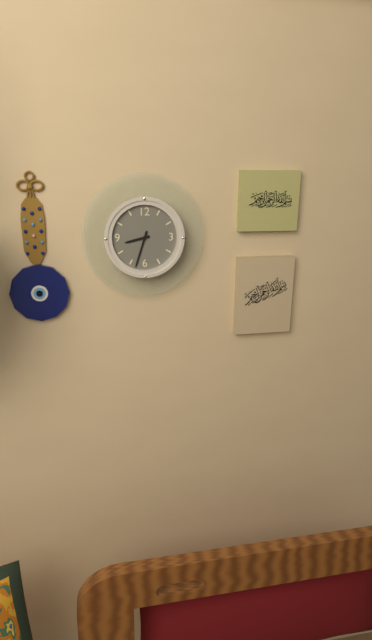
8:33
